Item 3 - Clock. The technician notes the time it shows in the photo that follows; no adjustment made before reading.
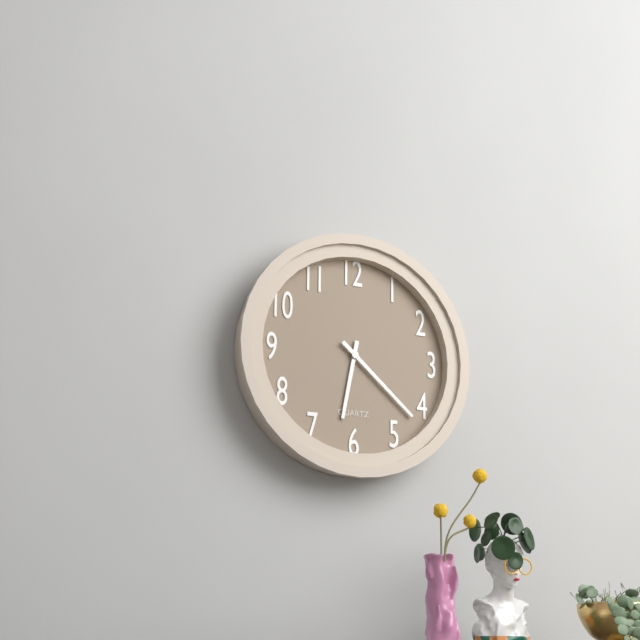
6:22
